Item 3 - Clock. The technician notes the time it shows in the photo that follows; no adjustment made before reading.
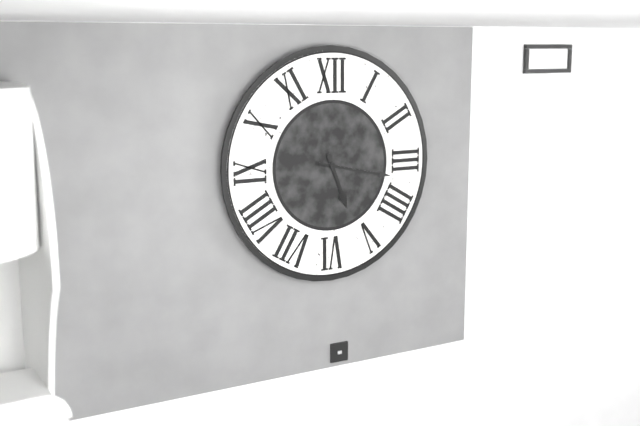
5:17
